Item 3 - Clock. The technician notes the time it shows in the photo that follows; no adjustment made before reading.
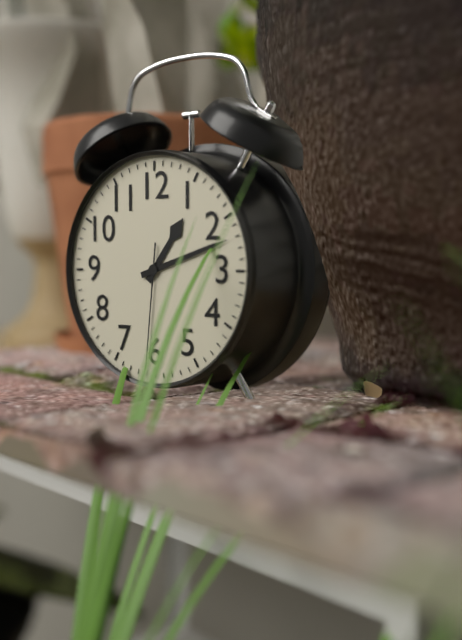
1:12:31
